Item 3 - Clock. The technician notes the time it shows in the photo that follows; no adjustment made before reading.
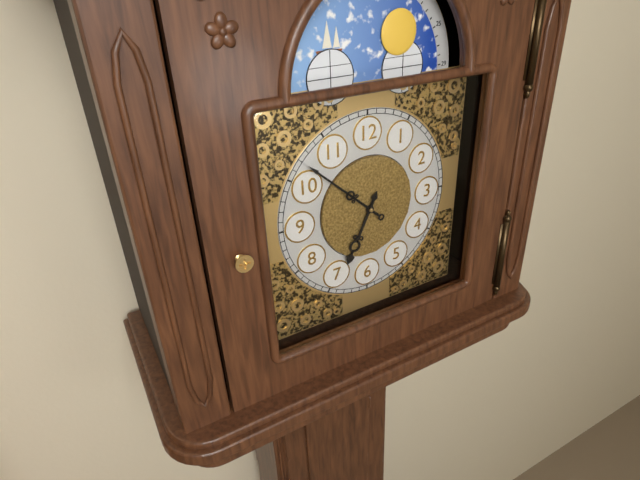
6:52
